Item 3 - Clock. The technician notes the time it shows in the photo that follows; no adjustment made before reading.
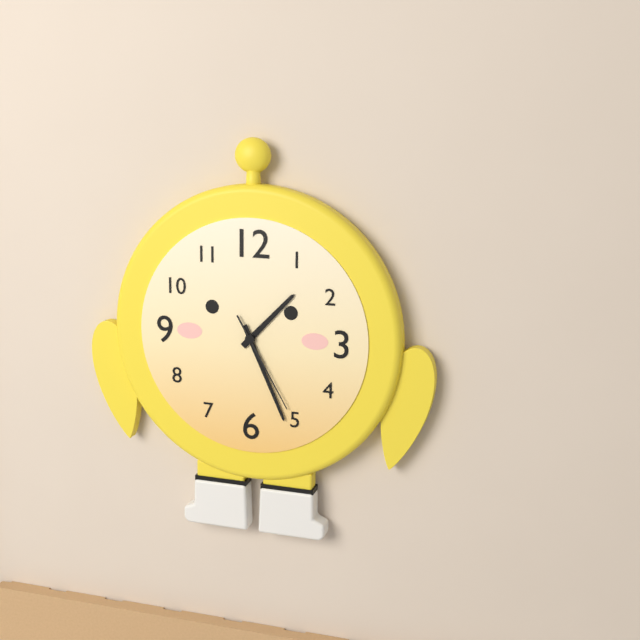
1:26:25
